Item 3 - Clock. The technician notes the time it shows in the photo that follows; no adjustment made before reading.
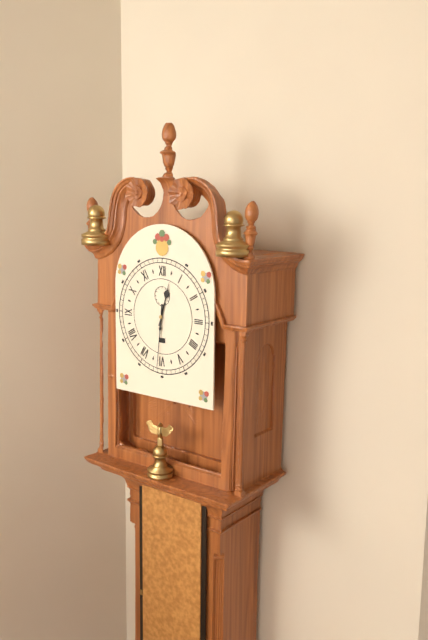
12:31
